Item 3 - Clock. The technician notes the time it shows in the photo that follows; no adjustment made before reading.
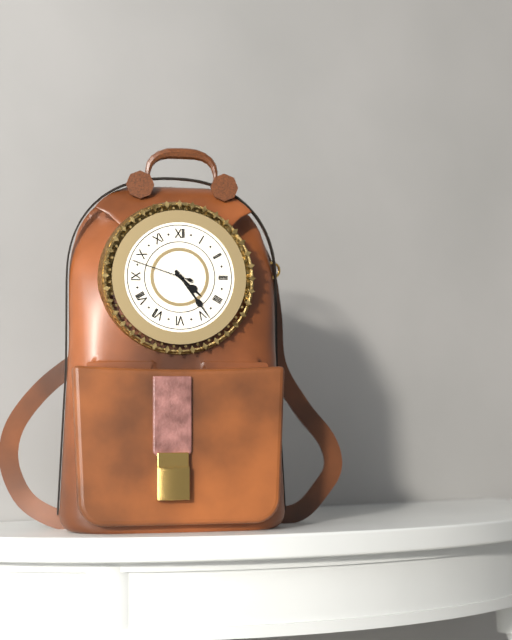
4:24:48
